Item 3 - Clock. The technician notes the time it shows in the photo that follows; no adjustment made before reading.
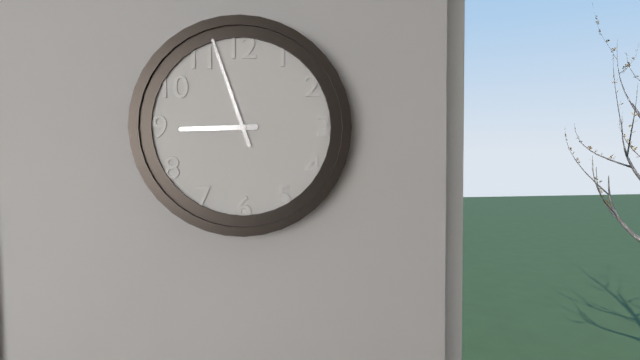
8:57
